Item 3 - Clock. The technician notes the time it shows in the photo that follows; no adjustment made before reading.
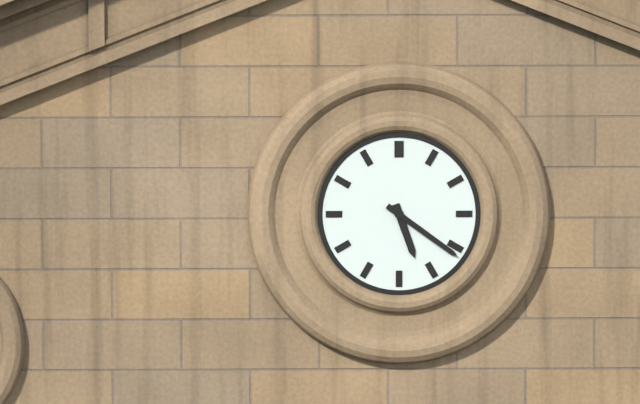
5:21
